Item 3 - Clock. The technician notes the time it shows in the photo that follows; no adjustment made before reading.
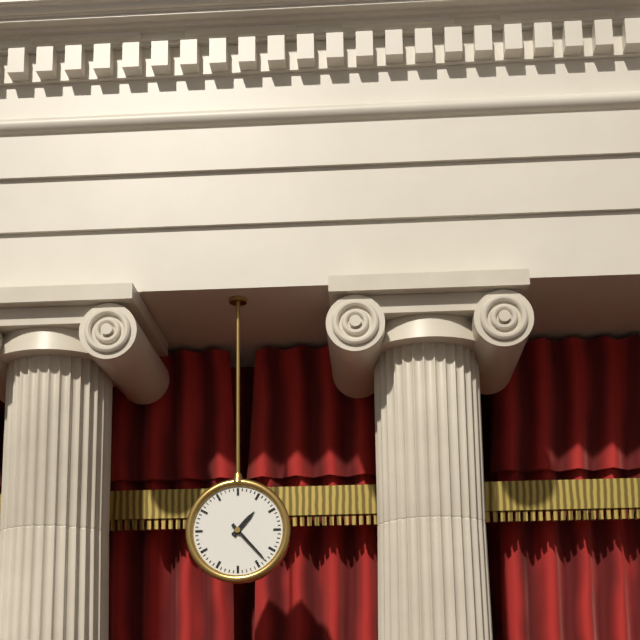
1:23
